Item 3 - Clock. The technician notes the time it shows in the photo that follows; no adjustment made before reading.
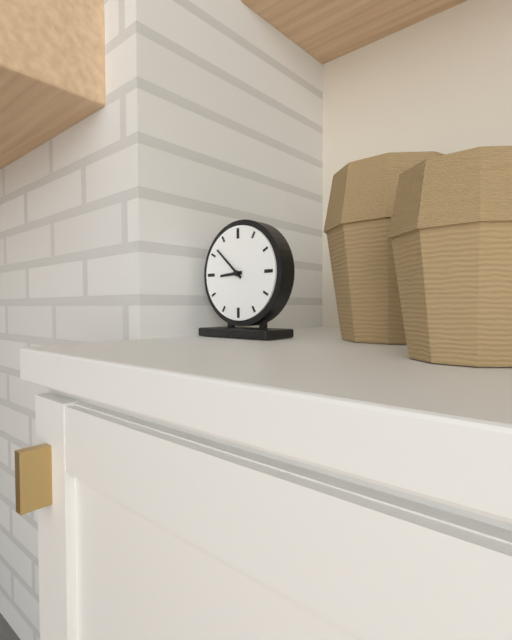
8:52
